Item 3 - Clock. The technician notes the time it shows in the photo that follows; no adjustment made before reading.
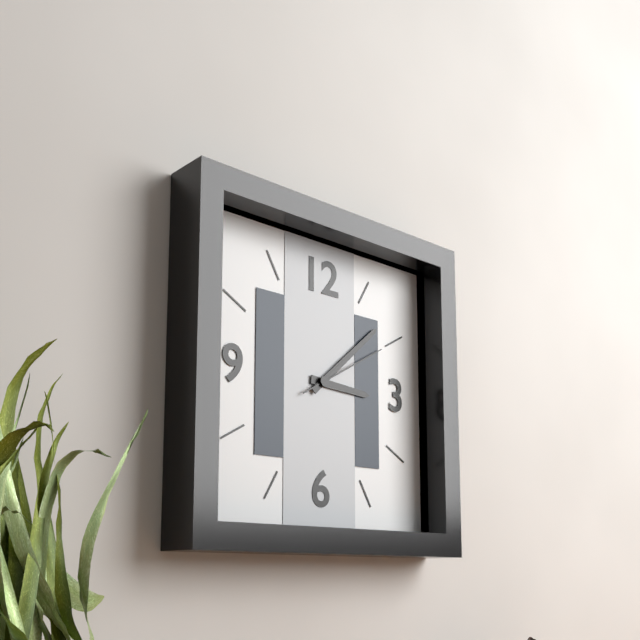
3:08:10
